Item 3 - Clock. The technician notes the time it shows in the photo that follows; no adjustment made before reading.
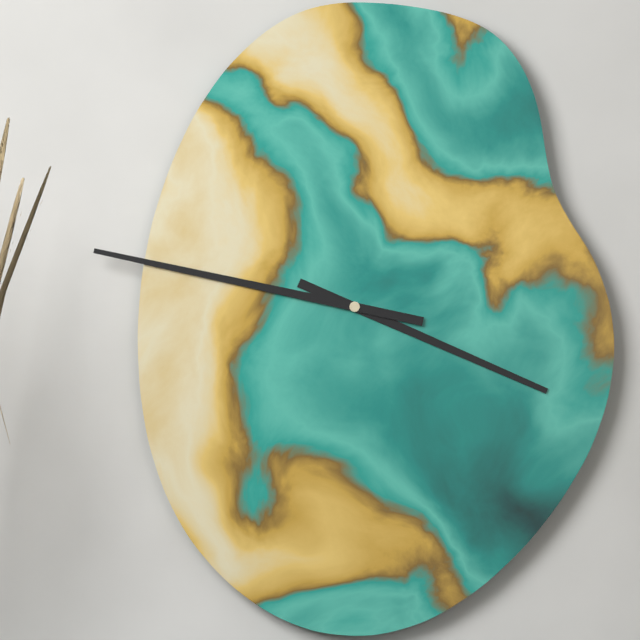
3:47
